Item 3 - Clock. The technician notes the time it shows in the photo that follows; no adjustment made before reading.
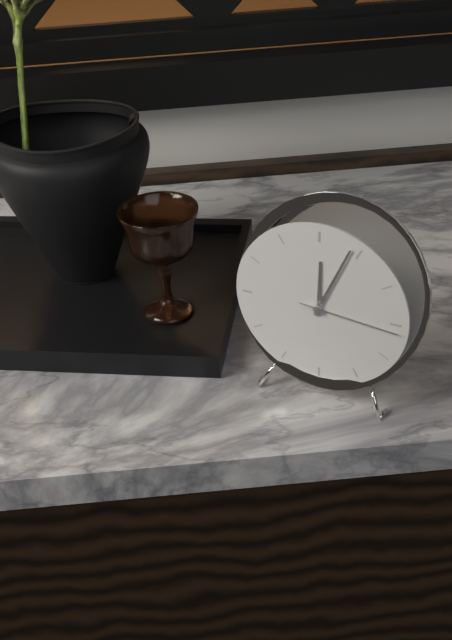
12:04:16
